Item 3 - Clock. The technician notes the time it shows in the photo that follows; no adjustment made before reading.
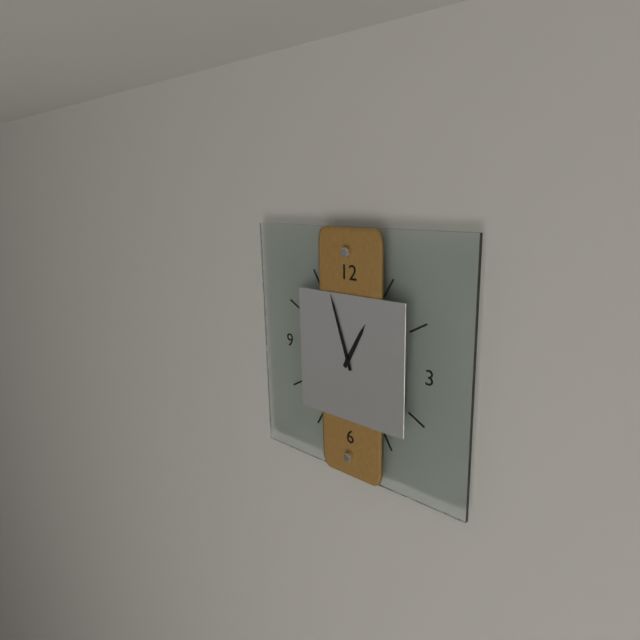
12:57
